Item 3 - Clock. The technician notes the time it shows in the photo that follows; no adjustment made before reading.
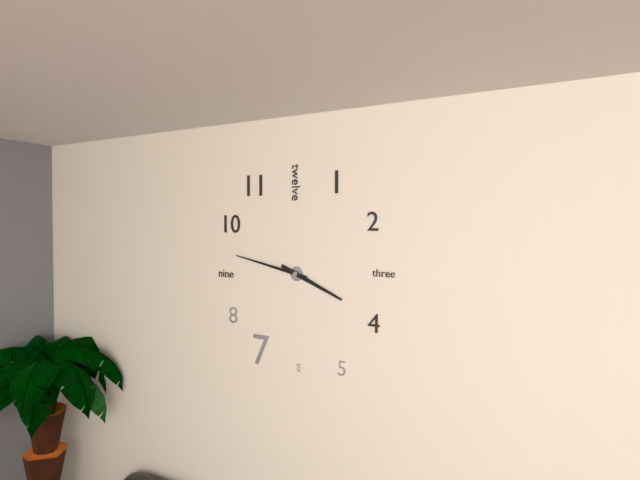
3:47
